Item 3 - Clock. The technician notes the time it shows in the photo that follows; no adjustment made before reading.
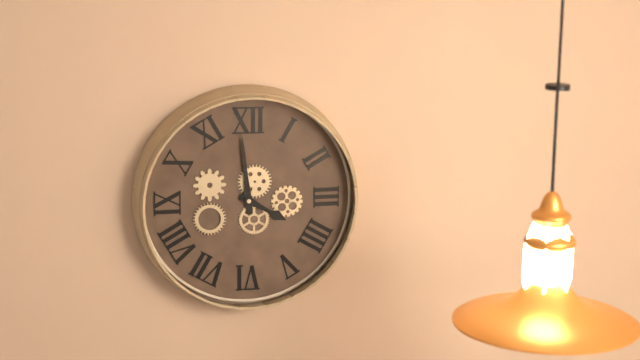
3:59
